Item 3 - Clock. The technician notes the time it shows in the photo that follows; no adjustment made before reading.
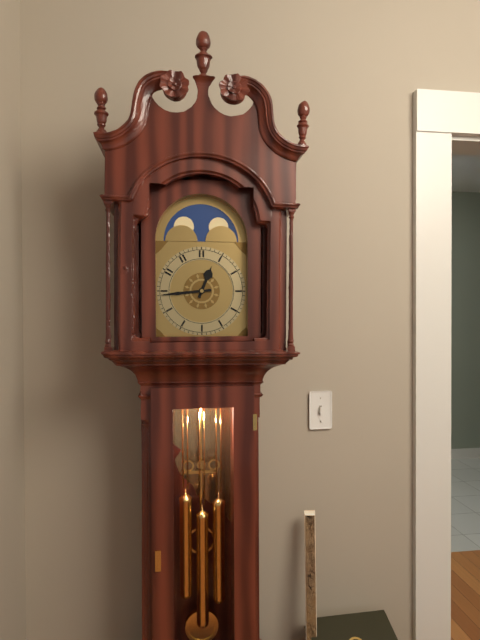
12:44
